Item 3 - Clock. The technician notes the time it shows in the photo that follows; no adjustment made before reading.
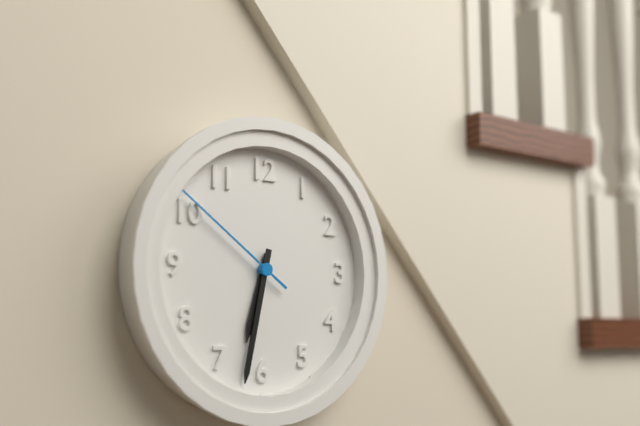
6:32:51
